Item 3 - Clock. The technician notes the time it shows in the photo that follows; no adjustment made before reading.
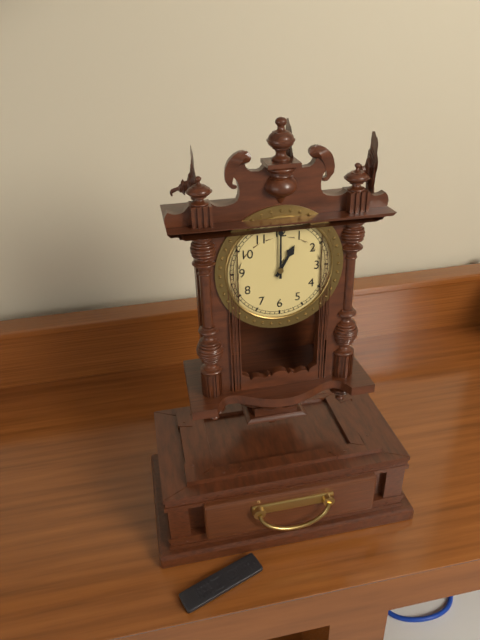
1:00
